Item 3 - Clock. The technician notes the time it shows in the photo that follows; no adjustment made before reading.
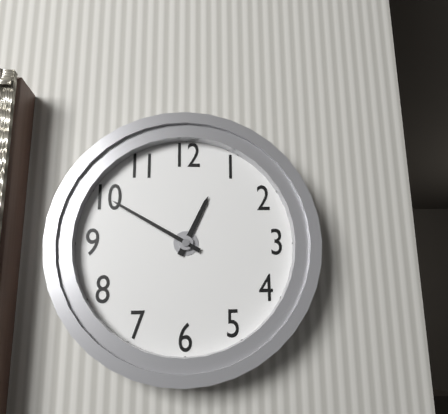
12:50
